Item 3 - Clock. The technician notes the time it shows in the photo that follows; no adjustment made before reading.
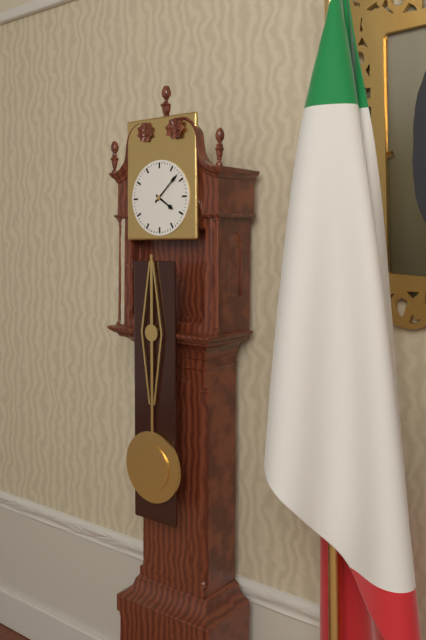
4:08
